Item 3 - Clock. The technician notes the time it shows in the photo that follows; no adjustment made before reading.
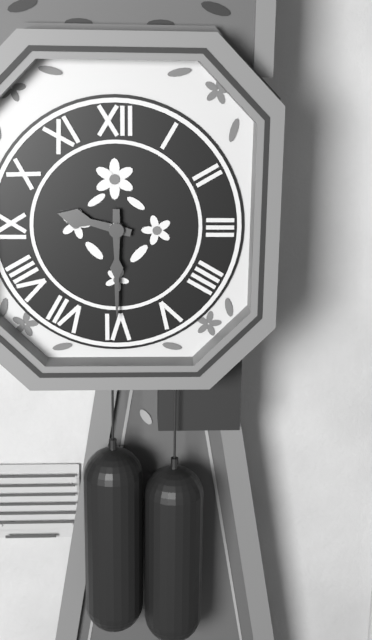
9:30
